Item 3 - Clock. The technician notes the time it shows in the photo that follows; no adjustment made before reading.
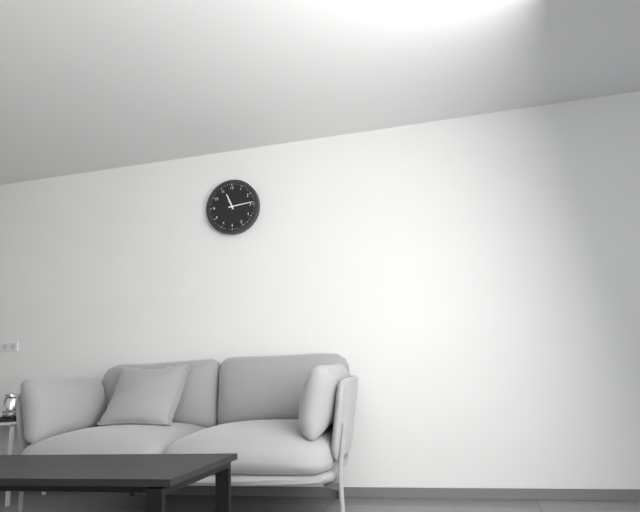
11:14
